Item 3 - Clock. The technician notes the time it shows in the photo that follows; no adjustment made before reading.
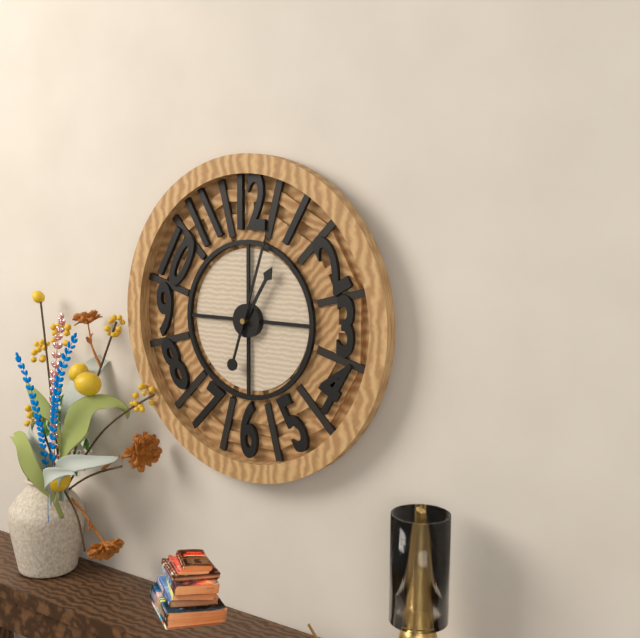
1:03
